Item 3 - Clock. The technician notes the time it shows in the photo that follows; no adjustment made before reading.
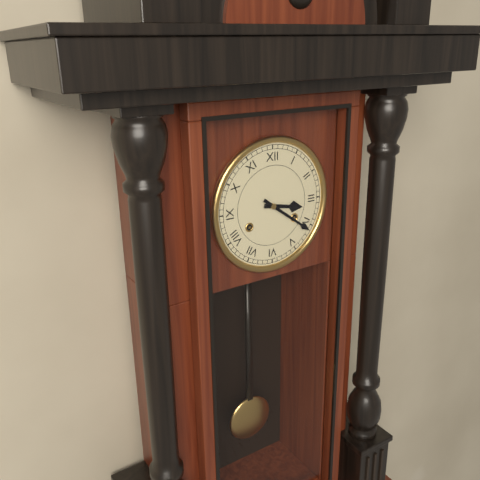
3:21
